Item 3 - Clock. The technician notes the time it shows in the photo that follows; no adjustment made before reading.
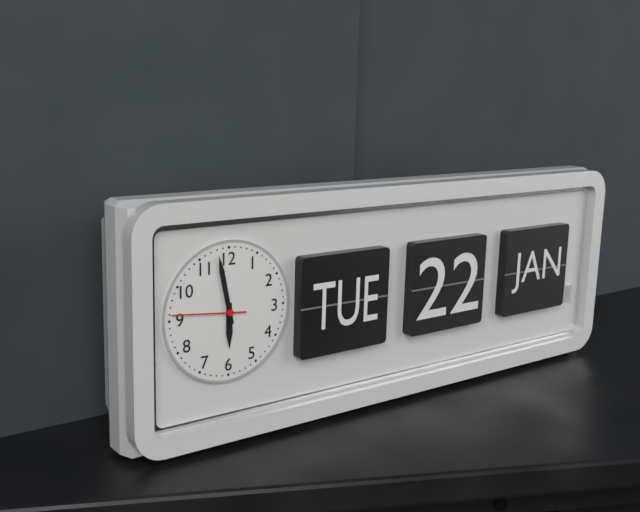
5:58:46
